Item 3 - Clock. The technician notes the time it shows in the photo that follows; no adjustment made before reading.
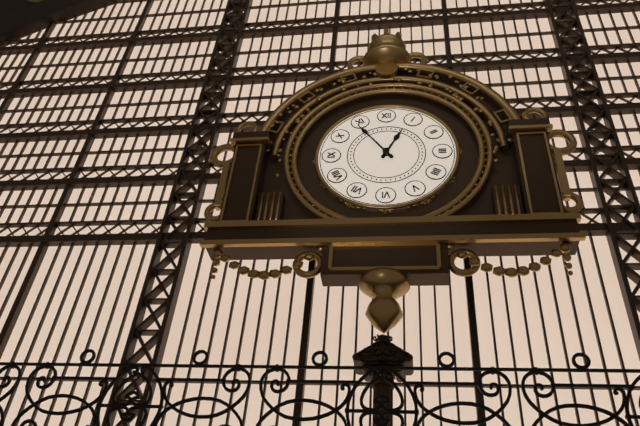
12:54
